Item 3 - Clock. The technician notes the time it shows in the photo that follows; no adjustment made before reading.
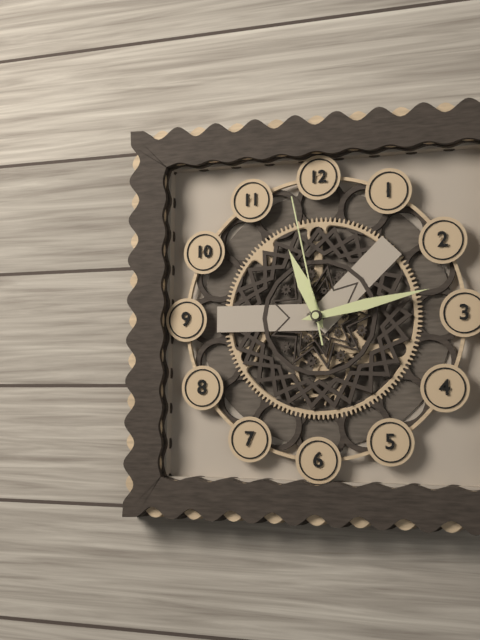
11:13:58
